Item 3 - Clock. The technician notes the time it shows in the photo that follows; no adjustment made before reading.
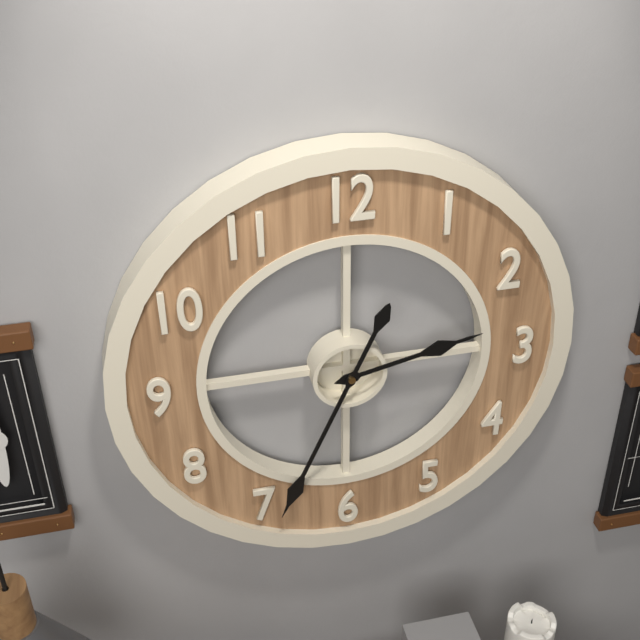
2:34
